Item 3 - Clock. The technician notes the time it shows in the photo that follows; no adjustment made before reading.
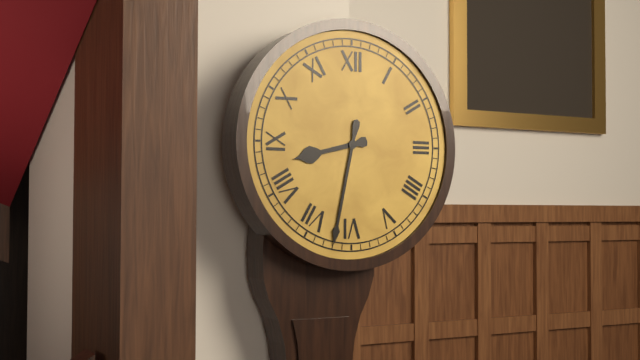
8:32
